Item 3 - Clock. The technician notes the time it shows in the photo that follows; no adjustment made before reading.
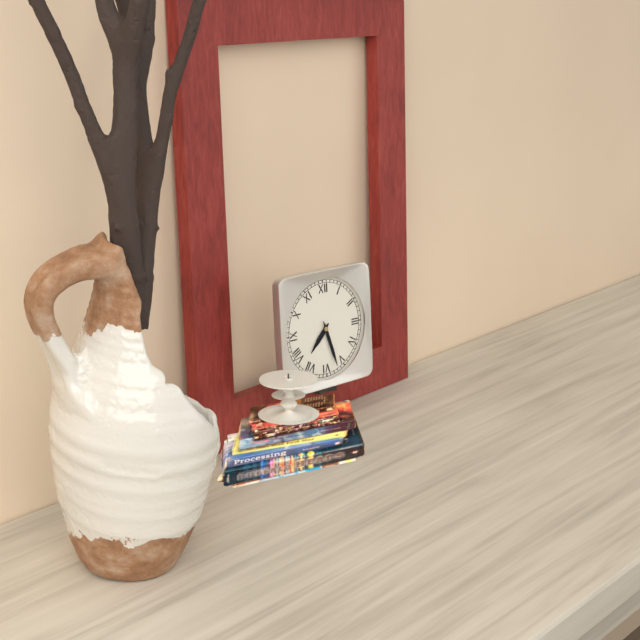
7:27
